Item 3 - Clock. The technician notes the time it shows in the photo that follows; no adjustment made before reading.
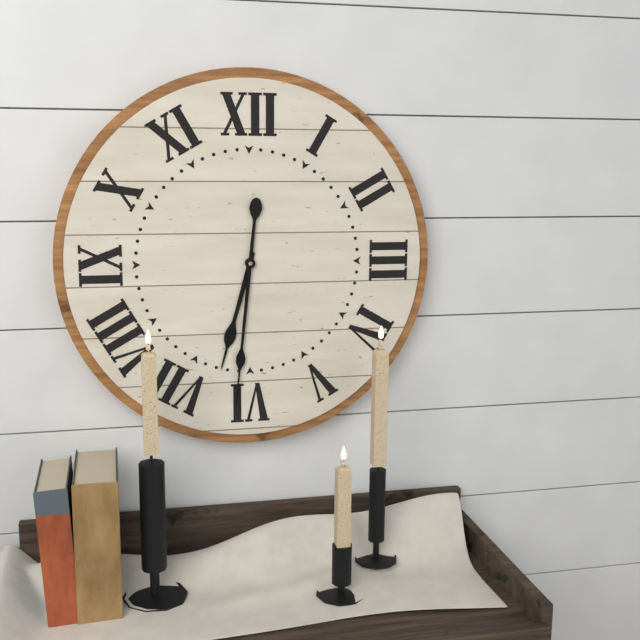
6:31
